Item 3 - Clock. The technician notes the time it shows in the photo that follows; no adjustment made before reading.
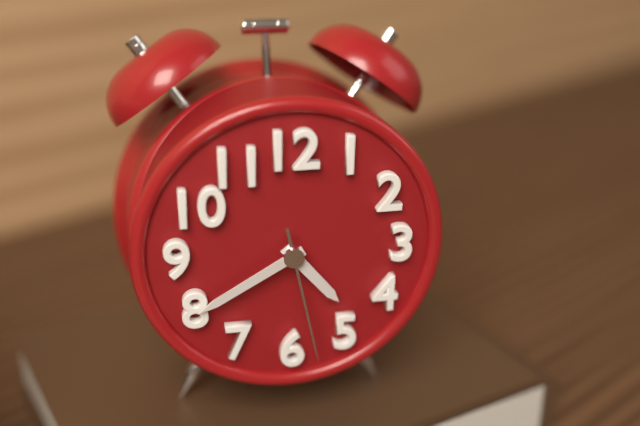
4:40:28
